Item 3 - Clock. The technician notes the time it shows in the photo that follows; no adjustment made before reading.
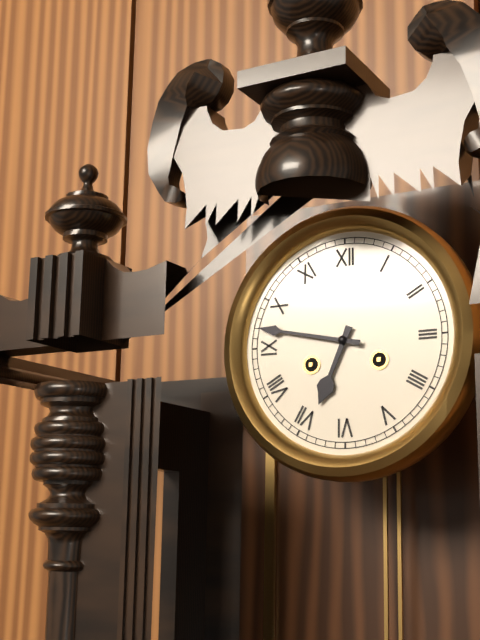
6:47
